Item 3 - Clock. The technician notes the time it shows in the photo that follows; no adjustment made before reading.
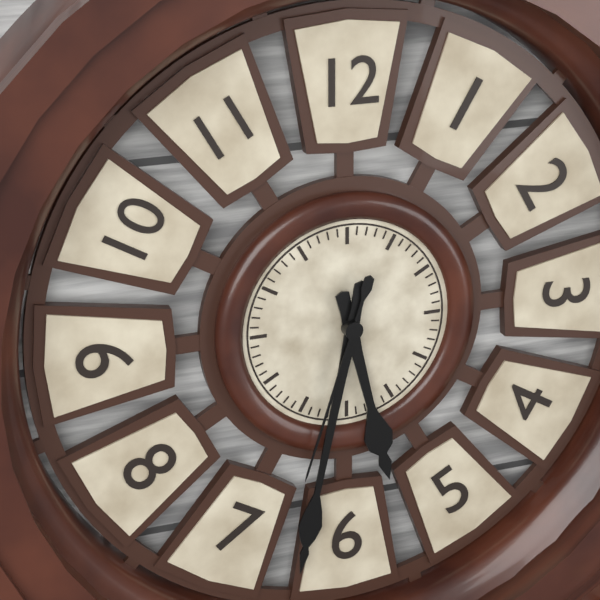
5:32:33
